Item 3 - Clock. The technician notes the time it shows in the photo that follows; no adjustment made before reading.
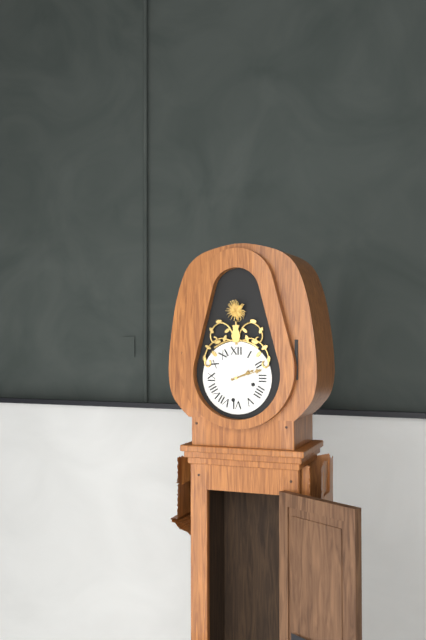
2:12
